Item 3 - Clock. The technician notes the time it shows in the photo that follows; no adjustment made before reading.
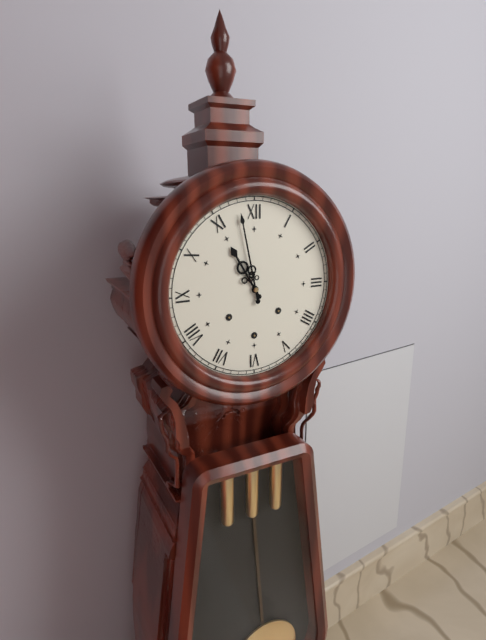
10:58
